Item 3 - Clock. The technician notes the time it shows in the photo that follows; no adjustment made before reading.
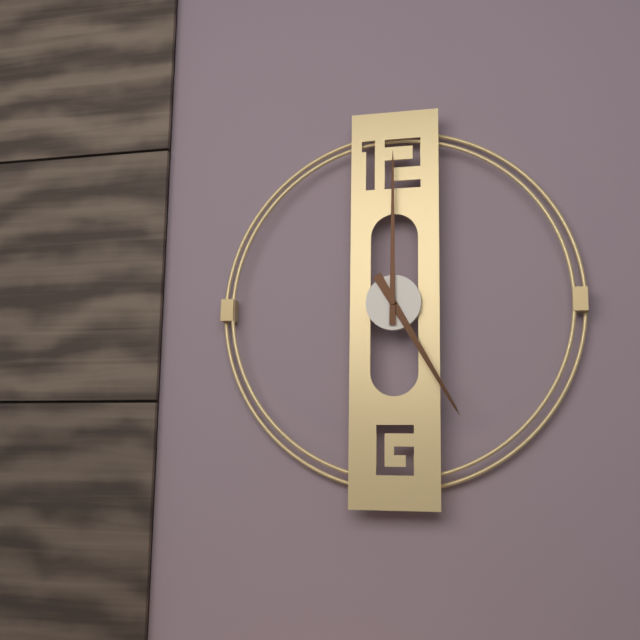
5:00
